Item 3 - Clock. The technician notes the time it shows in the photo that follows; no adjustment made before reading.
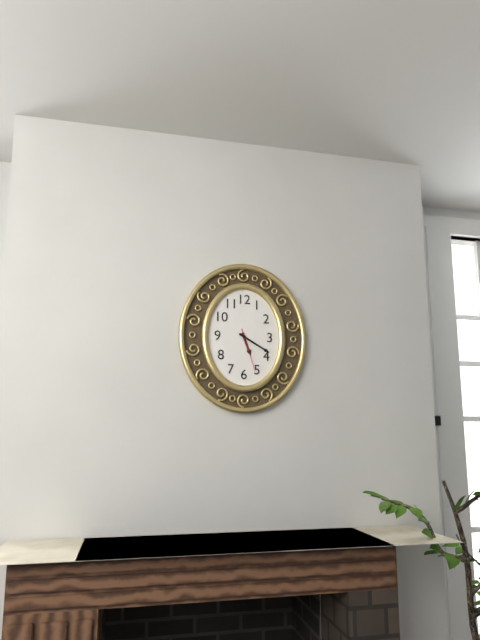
5:20
